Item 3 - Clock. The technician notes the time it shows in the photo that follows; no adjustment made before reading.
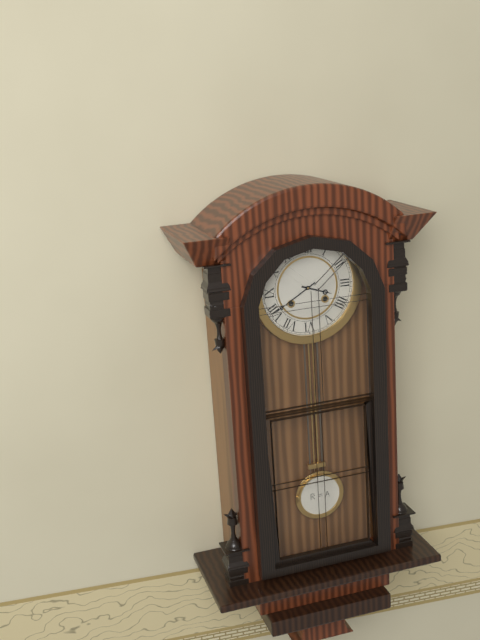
3:40
